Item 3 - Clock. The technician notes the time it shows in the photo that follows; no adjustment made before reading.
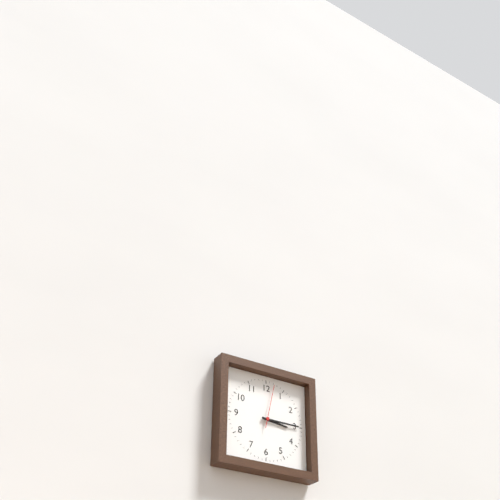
3:15
